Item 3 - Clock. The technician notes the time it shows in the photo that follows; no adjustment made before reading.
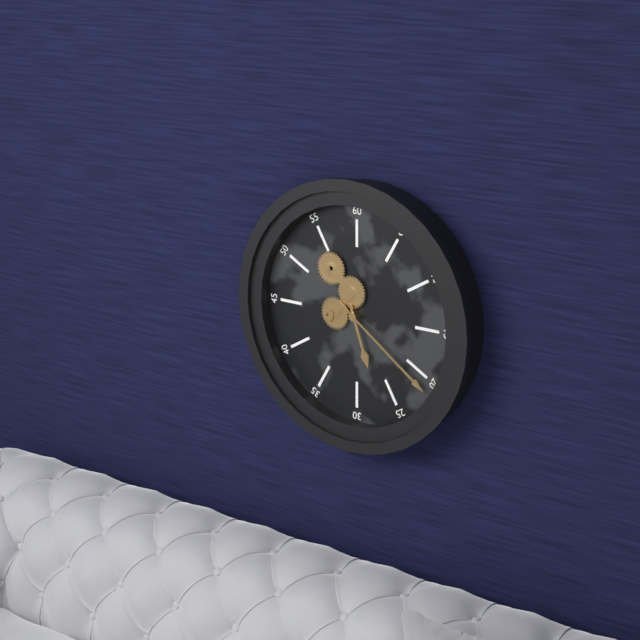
5:21
